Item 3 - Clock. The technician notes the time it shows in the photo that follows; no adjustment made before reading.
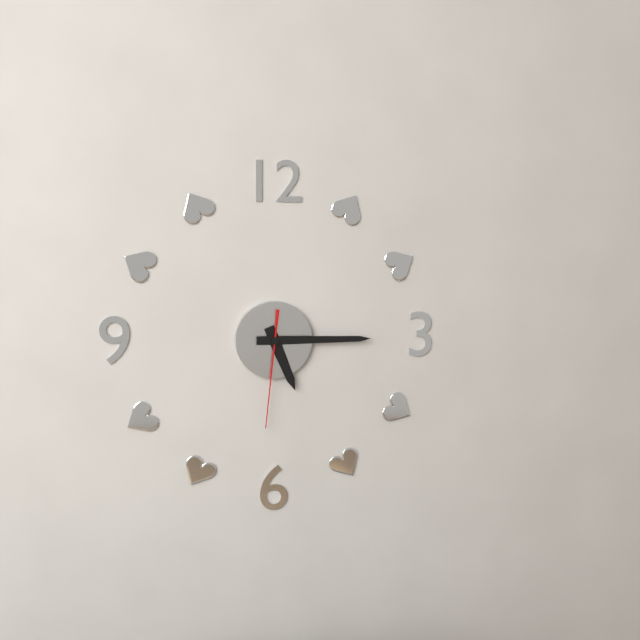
5:15:31
